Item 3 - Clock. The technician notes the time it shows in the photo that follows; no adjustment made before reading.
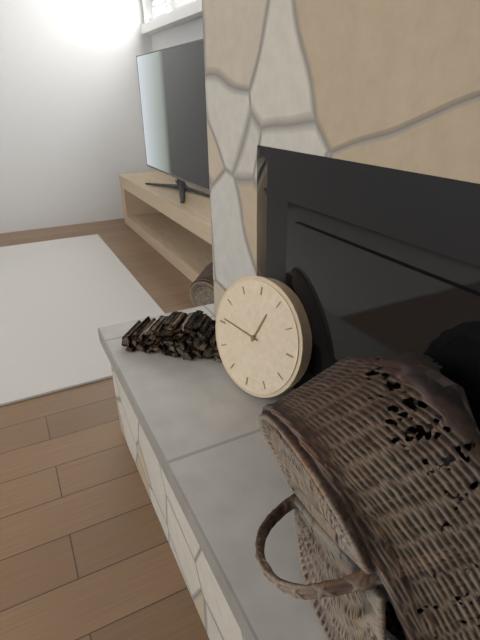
12:46
